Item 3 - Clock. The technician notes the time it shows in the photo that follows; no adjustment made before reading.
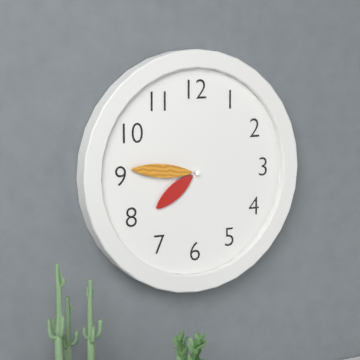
7:46
